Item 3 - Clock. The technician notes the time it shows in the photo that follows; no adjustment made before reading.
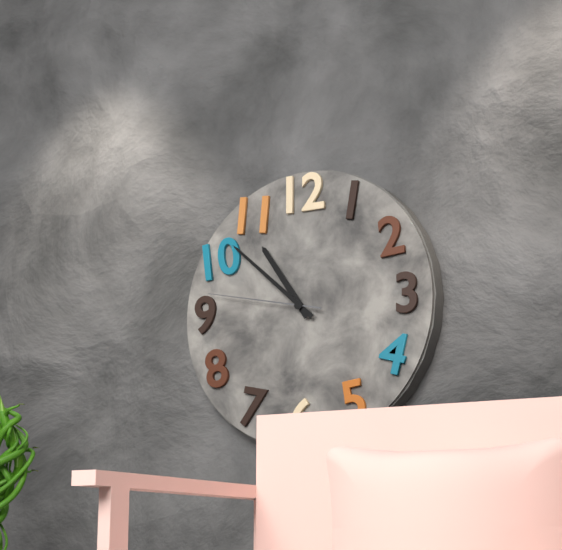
10:52:47
